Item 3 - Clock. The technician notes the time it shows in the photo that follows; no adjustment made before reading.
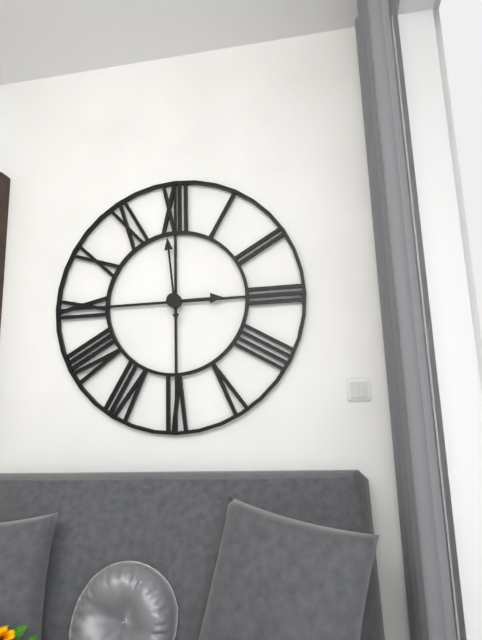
2:59
